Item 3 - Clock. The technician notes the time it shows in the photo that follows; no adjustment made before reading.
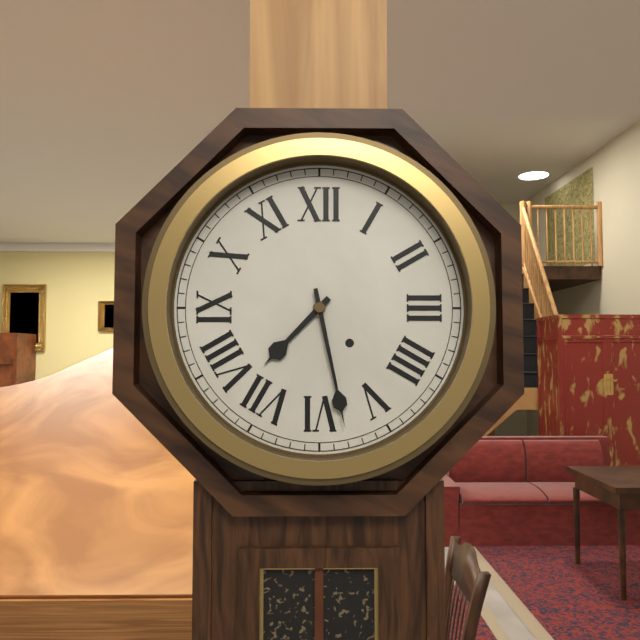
7:28
